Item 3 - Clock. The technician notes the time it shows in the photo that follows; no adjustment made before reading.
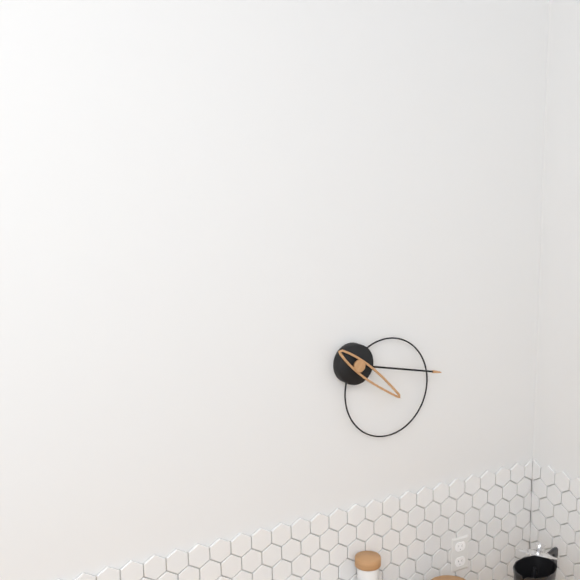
4:17
